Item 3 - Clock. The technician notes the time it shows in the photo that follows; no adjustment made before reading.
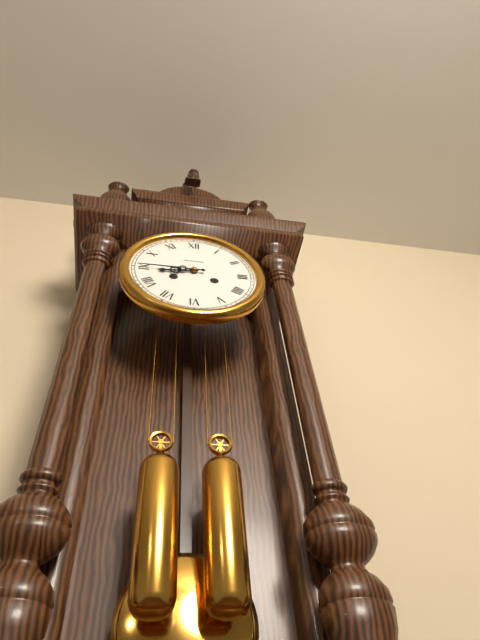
8:45
